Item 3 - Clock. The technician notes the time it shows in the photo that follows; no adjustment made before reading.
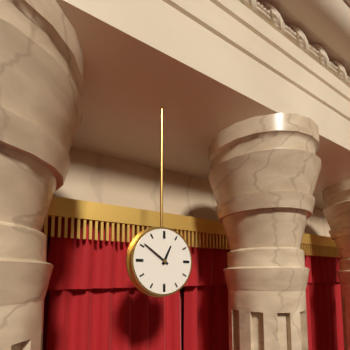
12:51
